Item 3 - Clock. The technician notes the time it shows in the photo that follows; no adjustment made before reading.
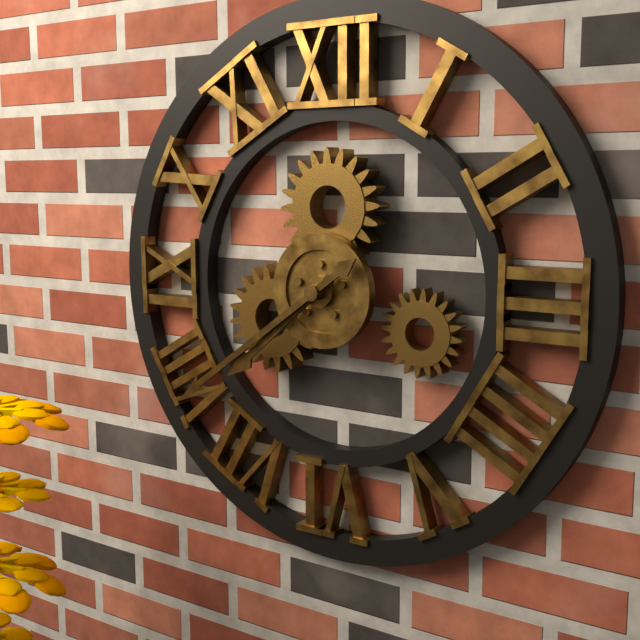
7:39
